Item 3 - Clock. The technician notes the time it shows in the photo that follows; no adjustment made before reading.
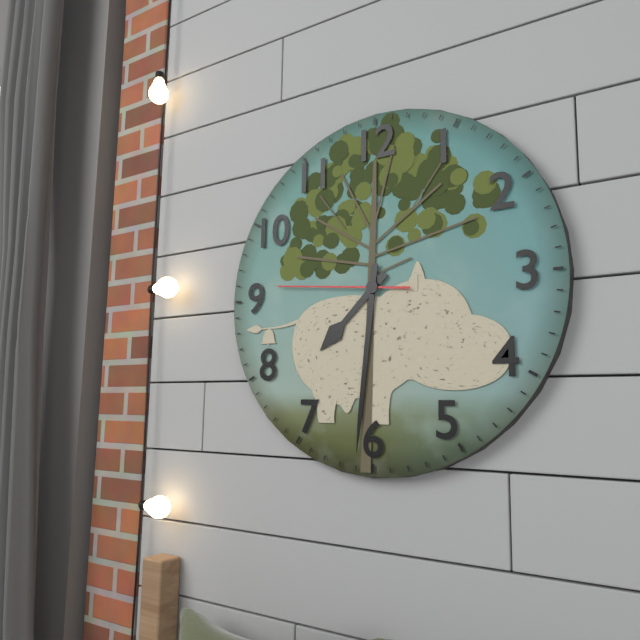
7:31:46
